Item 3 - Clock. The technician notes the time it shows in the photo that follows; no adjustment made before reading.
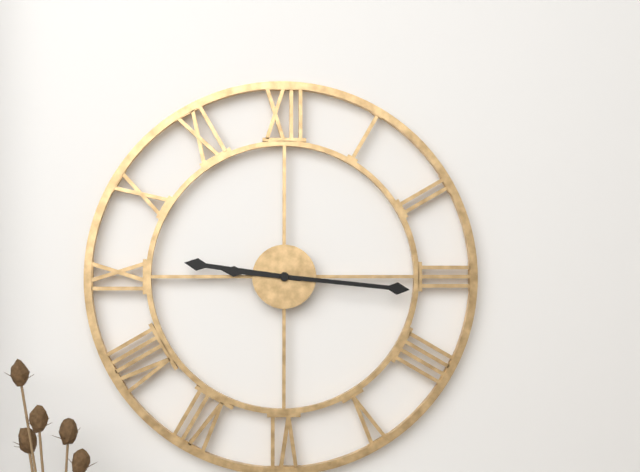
9:16
